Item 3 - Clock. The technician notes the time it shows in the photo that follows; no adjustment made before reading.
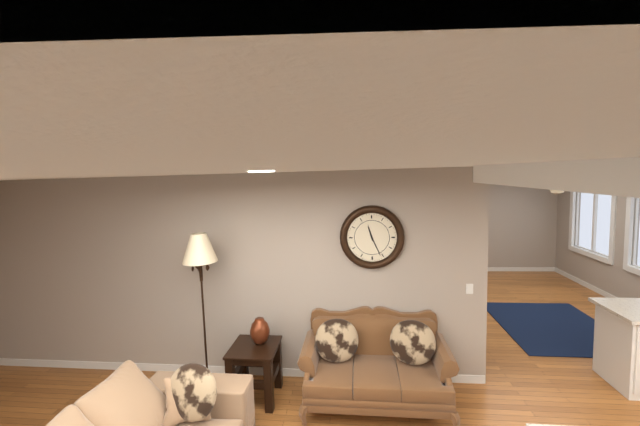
11:26
